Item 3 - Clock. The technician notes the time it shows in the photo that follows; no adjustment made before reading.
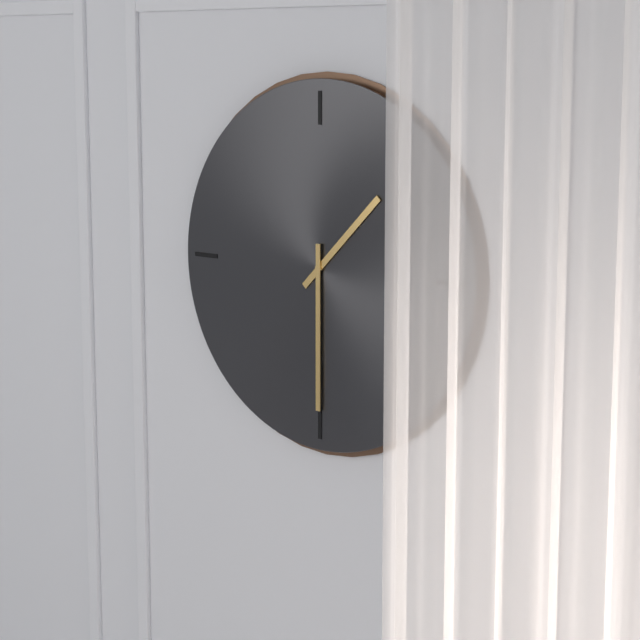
1:30
